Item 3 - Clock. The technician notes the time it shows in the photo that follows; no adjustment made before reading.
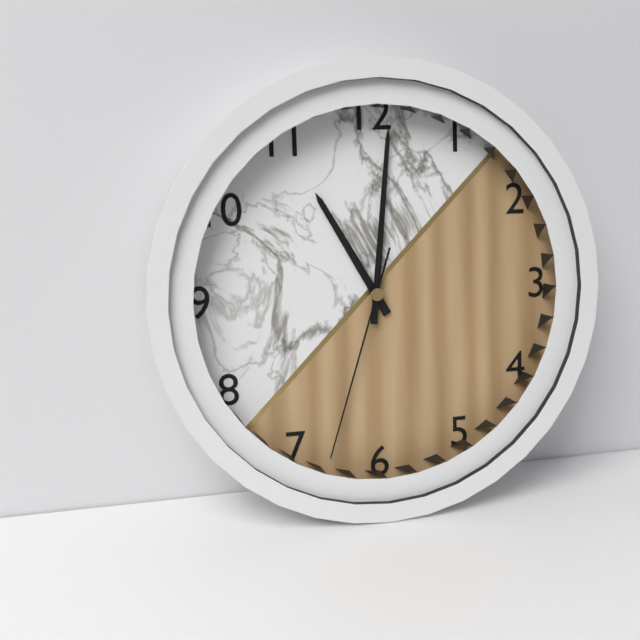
11:01:33
